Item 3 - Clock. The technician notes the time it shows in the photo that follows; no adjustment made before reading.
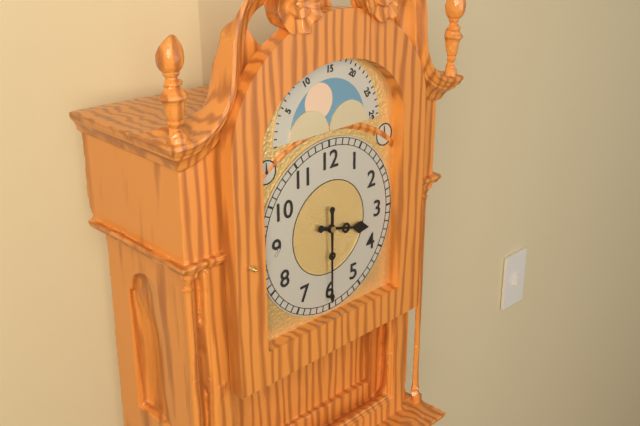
3:30
